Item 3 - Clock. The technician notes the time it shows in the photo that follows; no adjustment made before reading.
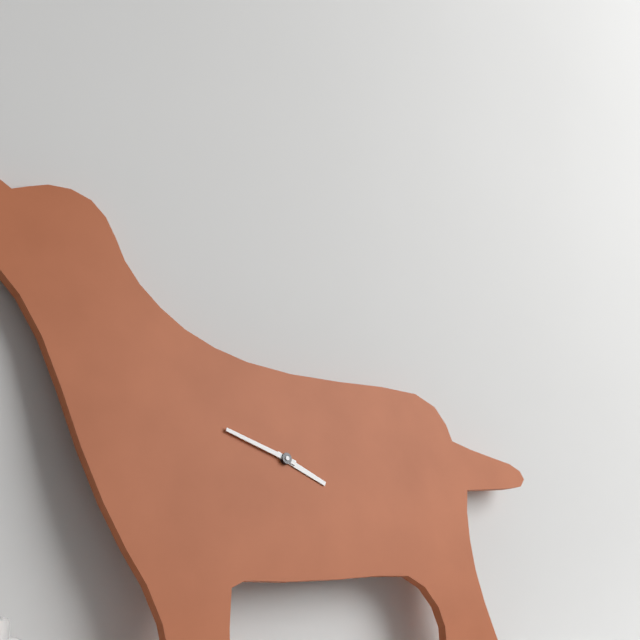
3:48
